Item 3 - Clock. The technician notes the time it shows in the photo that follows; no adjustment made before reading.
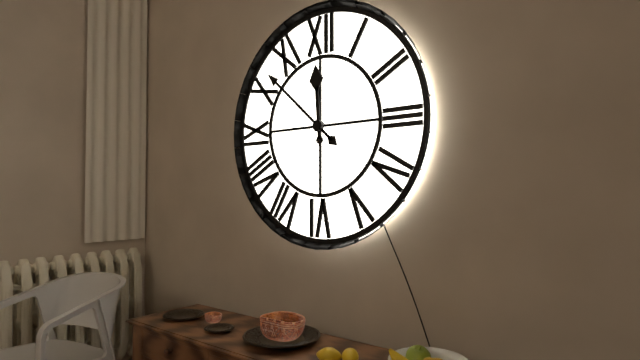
11:52
